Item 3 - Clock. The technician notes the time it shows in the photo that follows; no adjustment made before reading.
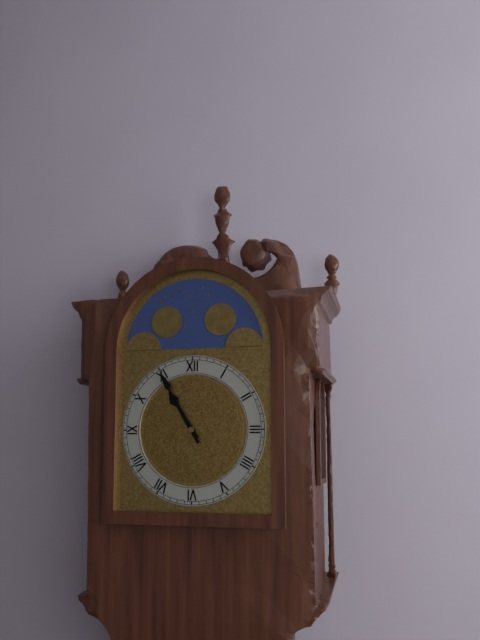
10:55
